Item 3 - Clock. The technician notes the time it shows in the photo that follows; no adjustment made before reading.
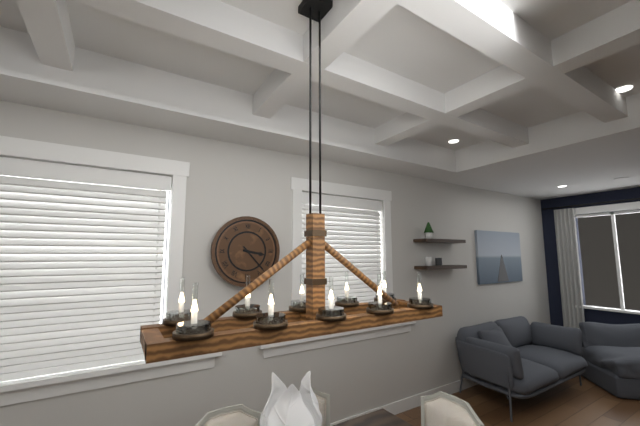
3:23
